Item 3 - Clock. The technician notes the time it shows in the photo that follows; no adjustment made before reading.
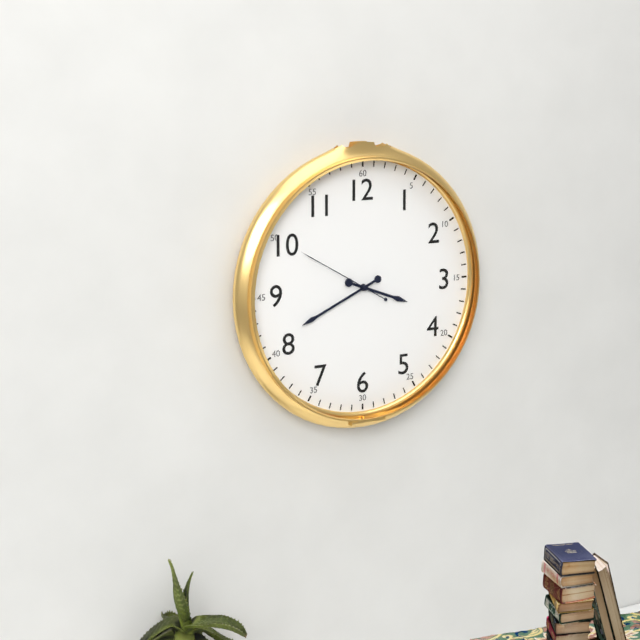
3:41:50
